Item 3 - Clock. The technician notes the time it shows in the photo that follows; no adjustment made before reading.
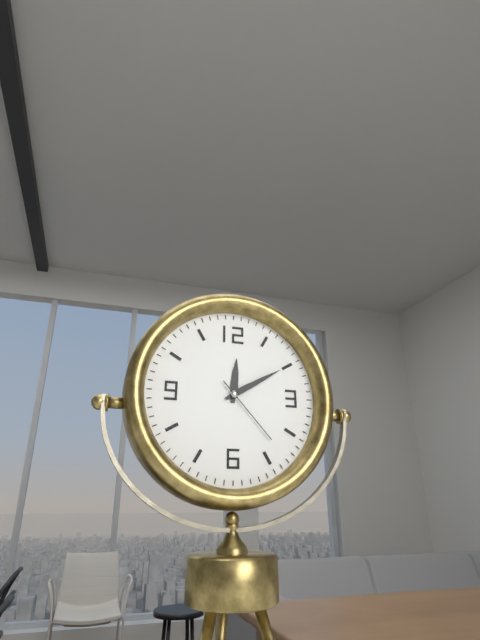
12:10:23
